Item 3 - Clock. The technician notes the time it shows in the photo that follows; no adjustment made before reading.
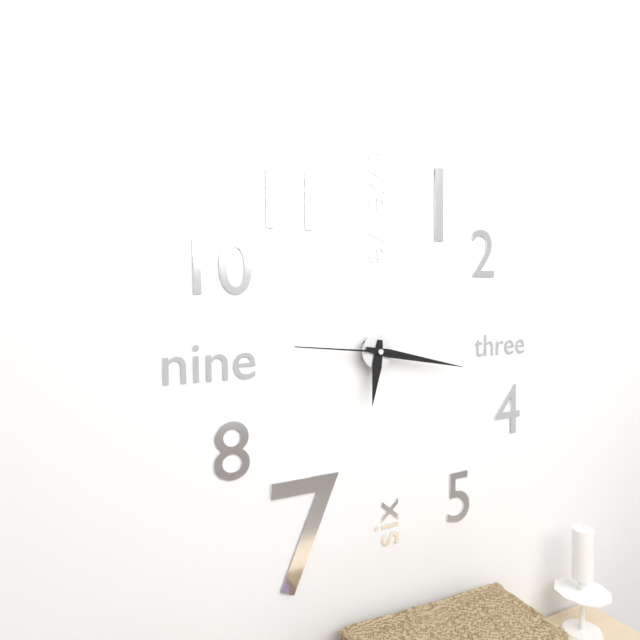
6:17:46
